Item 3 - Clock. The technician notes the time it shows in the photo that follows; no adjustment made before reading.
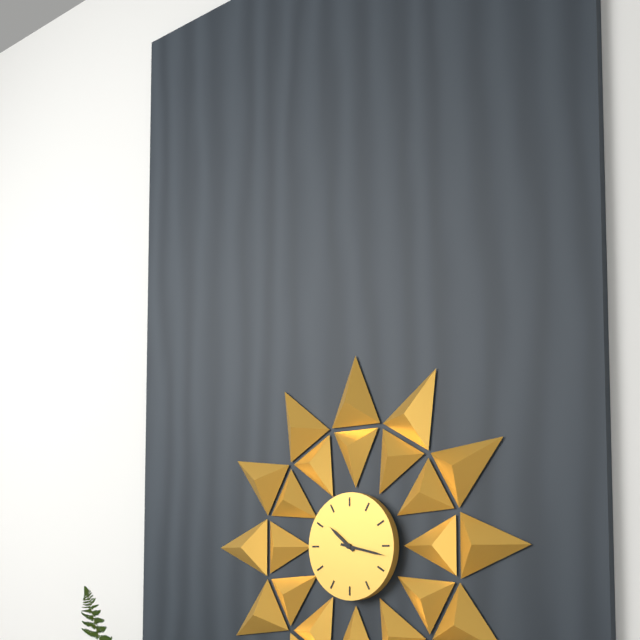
10:17
